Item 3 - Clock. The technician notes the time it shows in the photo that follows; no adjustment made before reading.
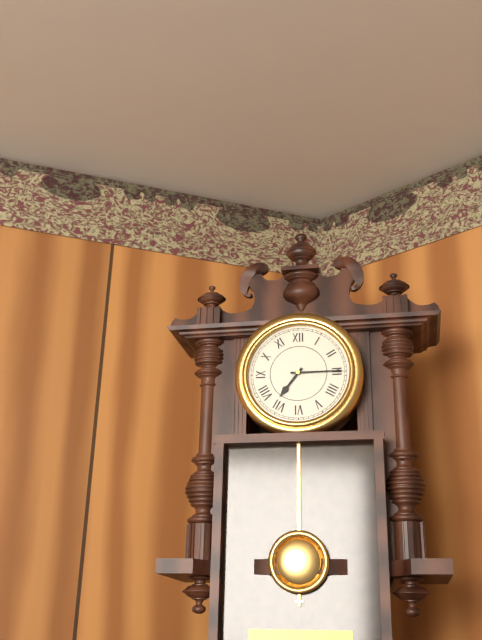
7:15
